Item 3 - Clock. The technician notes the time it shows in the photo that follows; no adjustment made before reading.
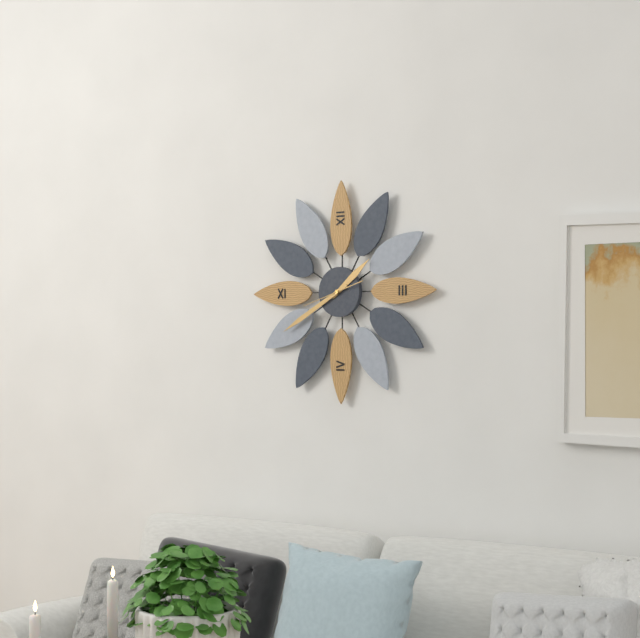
1:40:42
